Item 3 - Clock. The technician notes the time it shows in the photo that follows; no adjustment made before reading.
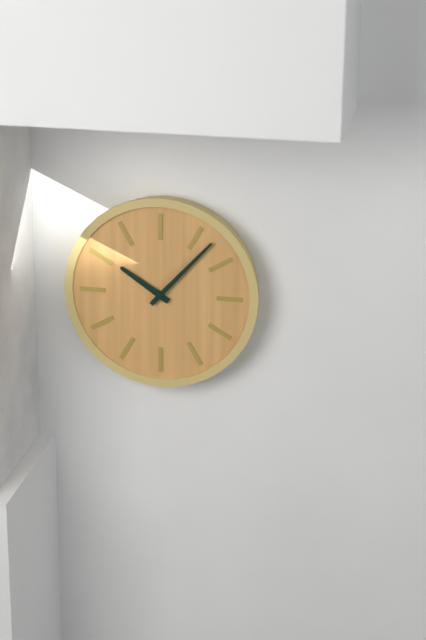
10:07
